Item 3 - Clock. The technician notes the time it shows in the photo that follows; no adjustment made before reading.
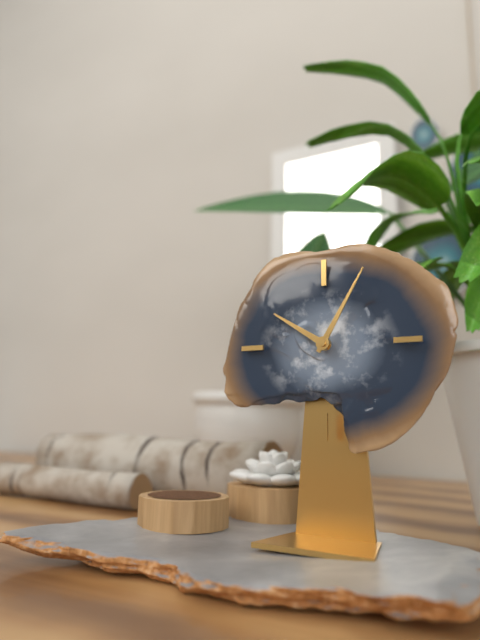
10:05
